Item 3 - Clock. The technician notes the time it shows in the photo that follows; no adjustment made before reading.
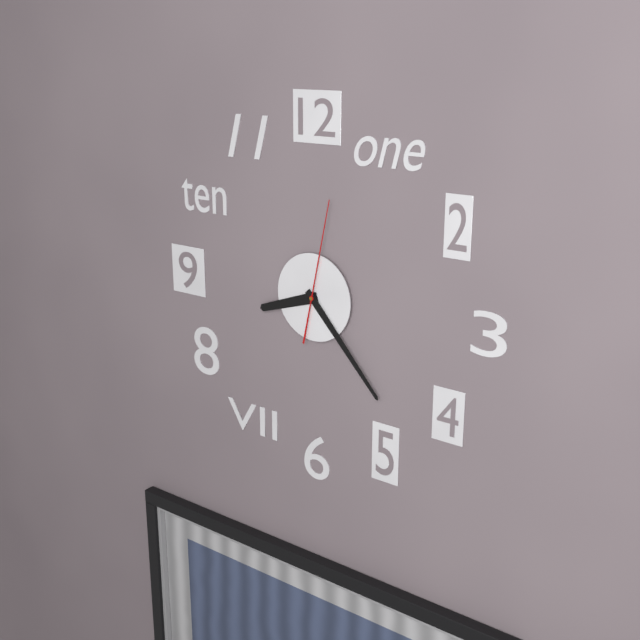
8:23:02
